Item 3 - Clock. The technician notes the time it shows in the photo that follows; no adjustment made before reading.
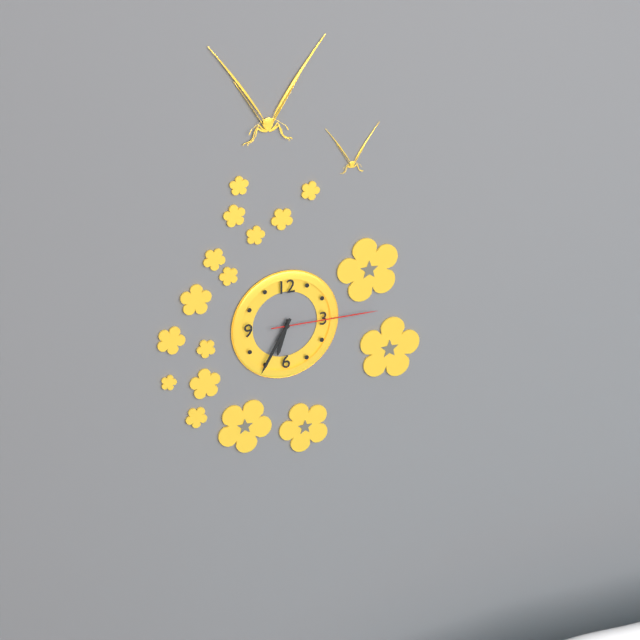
6:35:15
